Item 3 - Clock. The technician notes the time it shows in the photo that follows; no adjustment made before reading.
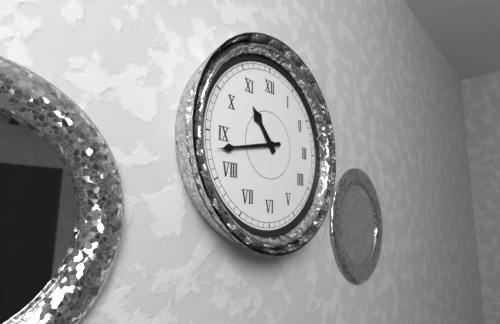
10:43
